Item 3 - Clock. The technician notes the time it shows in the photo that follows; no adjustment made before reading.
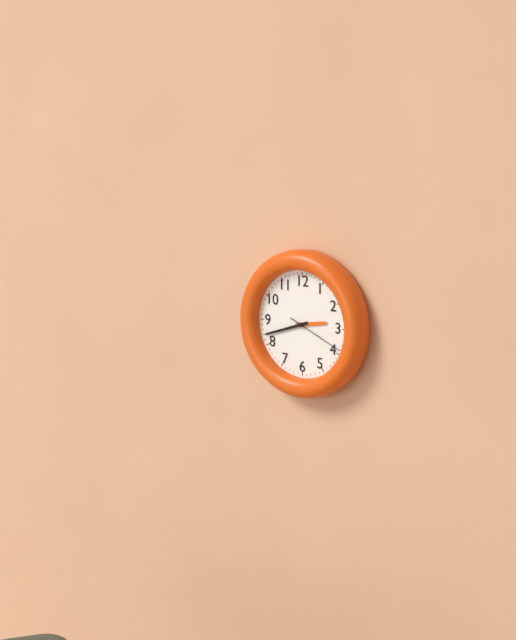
2:42:19
